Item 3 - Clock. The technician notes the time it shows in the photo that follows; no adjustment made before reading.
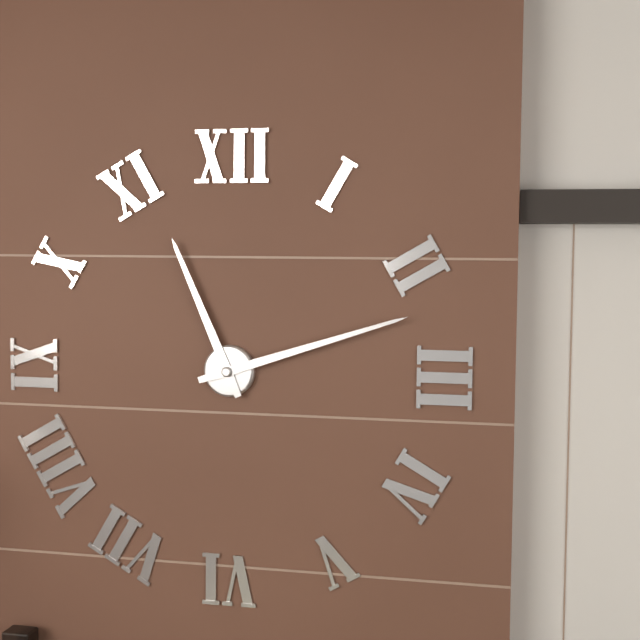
11:12
